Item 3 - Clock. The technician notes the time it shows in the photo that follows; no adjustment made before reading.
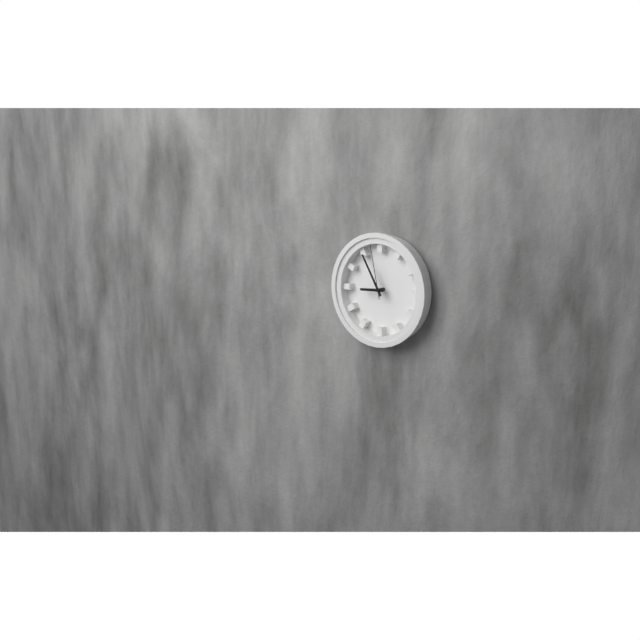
8:55:58
